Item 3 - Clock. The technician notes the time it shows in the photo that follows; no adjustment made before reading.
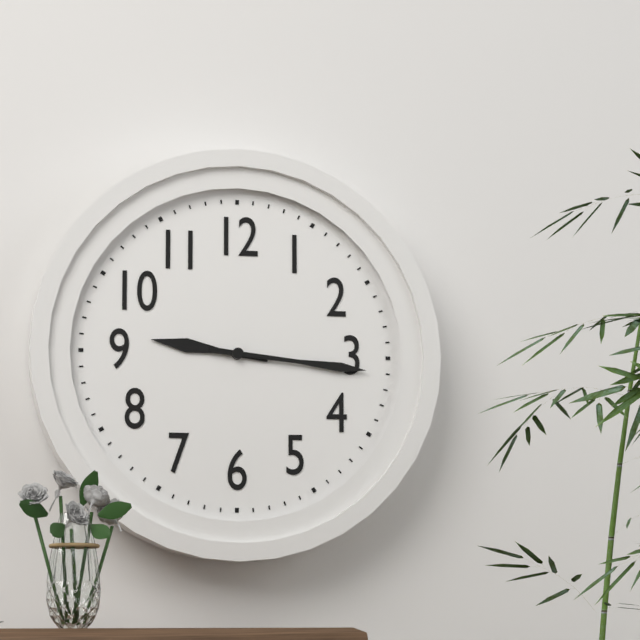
9:16
